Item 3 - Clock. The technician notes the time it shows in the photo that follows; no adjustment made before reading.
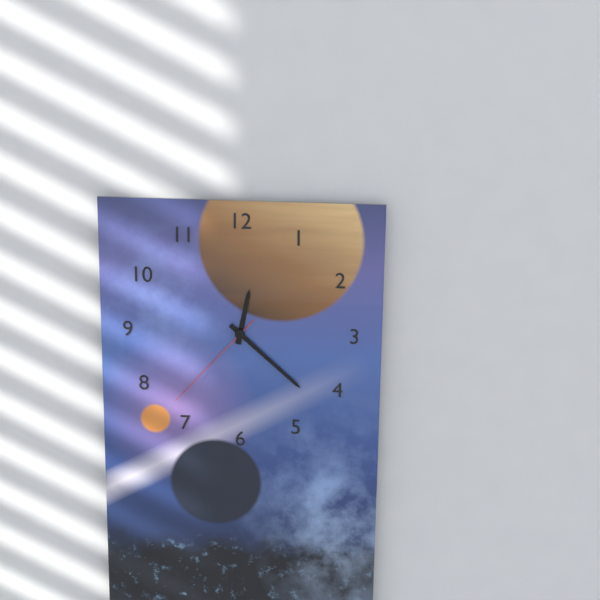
12:22:37
